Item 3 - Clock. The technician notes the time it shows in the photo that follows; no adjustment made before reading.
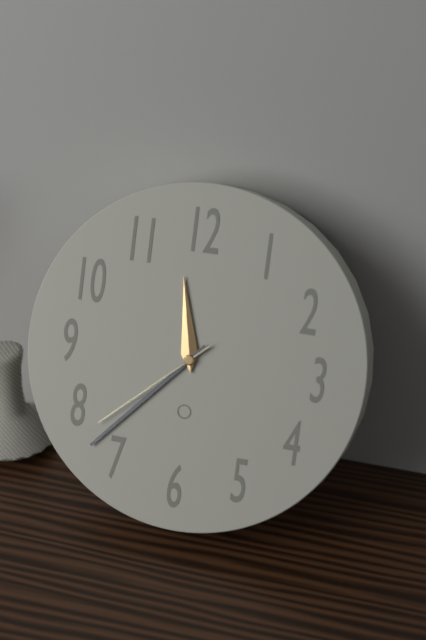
11:37:38
